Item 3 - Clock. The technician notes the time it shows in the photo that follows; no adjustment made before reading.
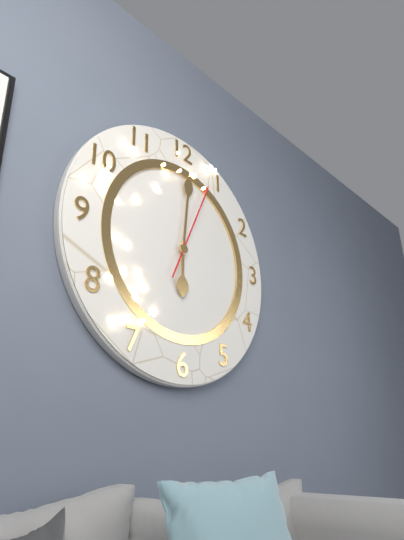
6:01:04
